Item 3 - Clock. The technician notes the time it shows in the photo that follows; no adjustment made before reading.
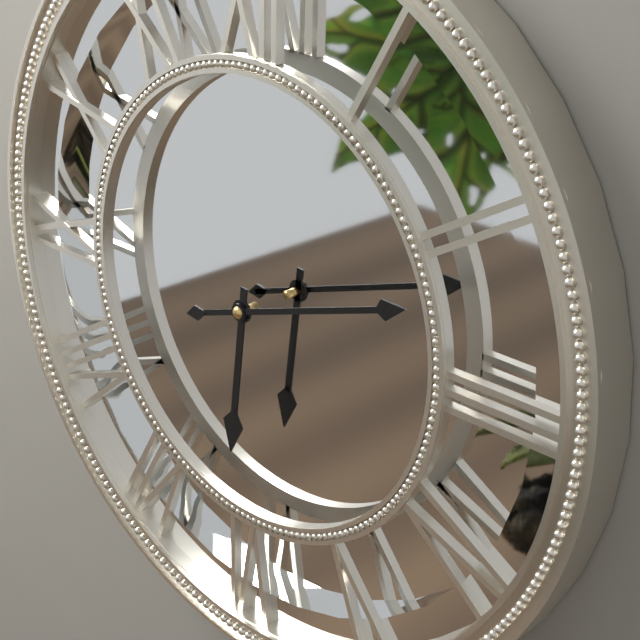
6:12
